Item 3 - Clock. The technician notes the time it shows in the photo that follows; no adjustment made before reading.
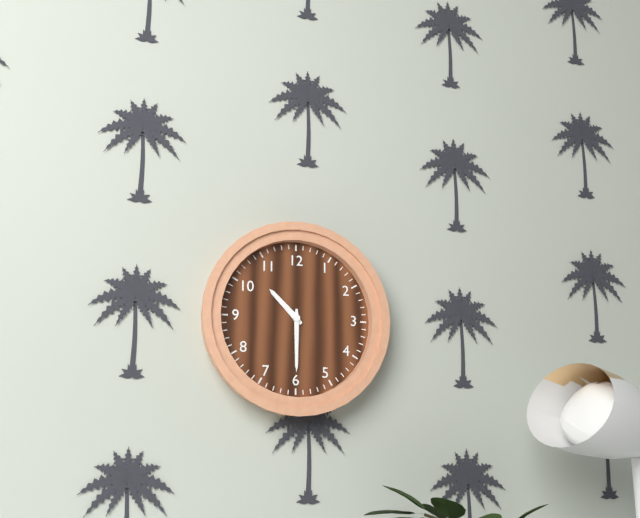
10:30
